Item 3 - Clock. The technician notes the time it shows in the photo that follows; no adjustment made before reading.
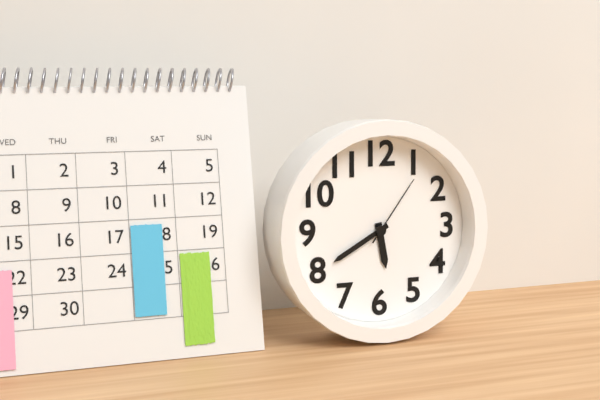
5:40:06
